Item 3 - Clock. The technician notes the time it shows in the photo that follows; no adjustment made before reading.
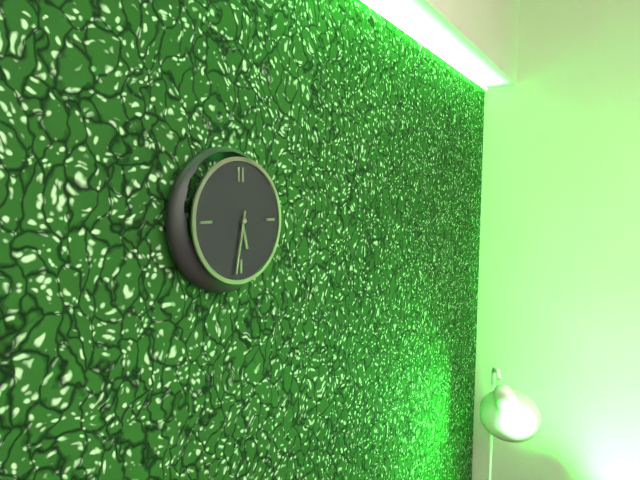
5:32
